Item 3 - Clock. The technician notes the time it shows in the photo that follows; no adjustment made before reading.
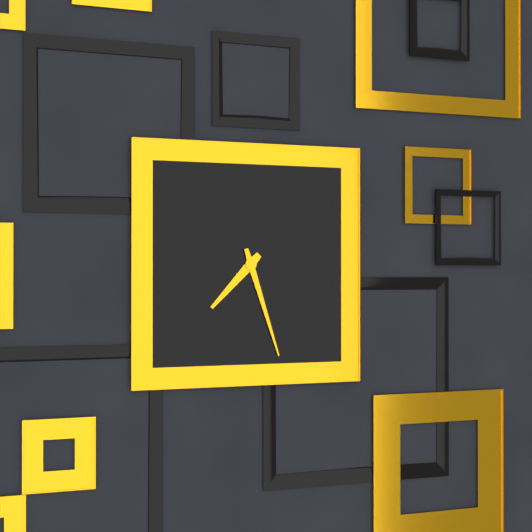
7:27
